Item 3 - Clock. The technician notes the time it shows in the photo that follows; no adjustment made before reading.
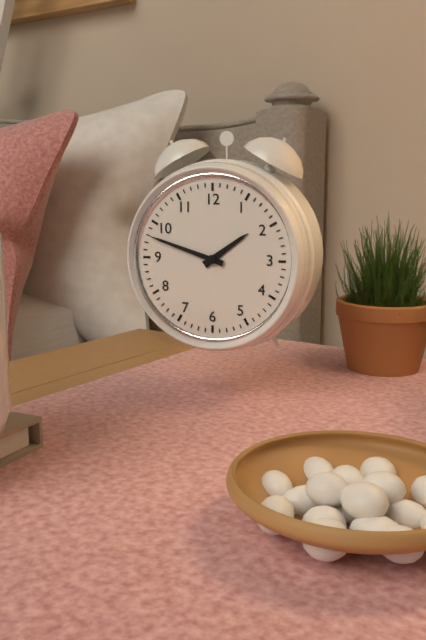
1:48
